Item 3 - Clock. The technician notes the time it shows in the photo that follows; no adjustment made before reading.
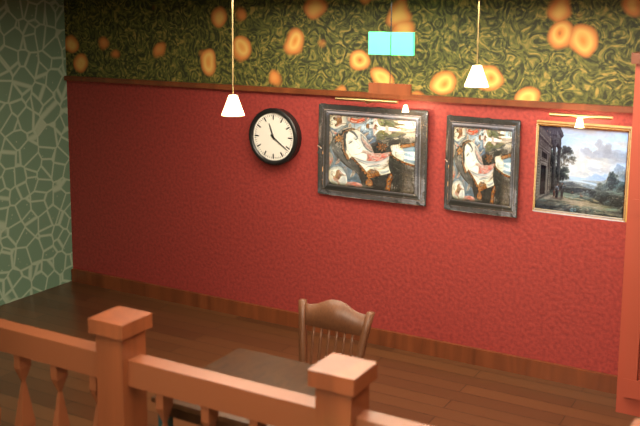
11:21
